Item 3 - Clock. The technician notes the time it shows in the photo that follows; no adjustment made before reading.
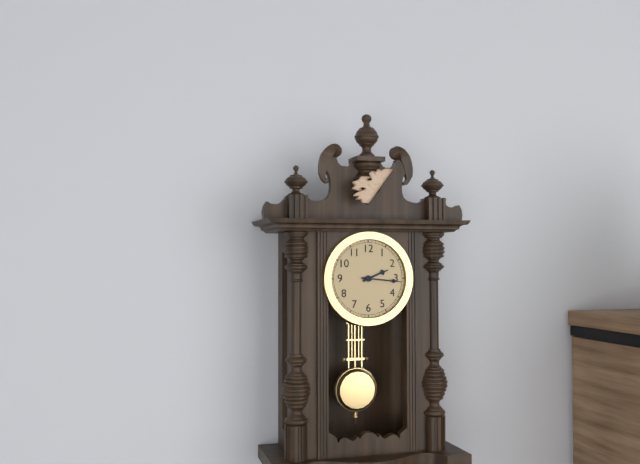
2:16
